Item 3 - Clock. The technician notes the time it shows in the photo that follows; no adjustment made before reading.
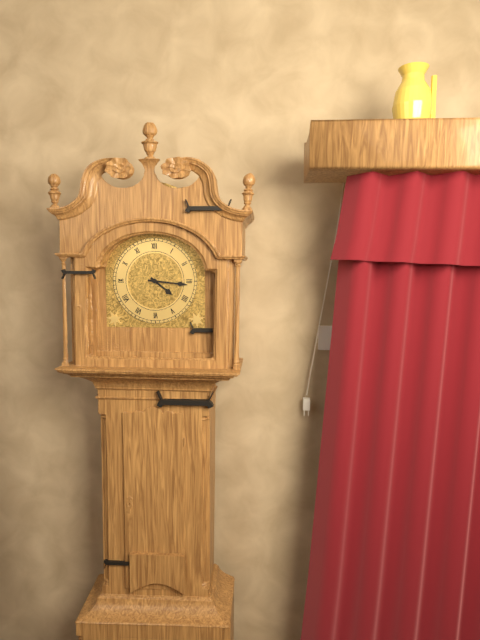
4:16
